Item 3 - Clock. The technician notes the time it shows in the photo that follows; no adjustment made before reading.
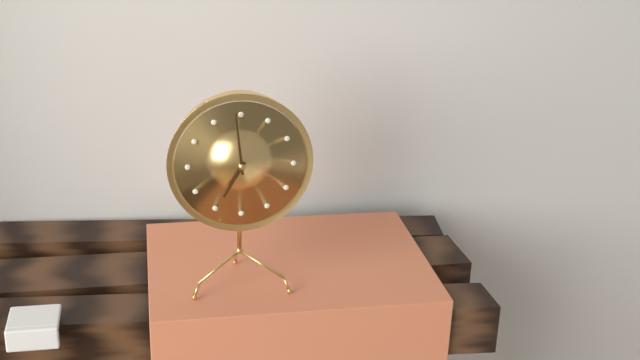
6:59
